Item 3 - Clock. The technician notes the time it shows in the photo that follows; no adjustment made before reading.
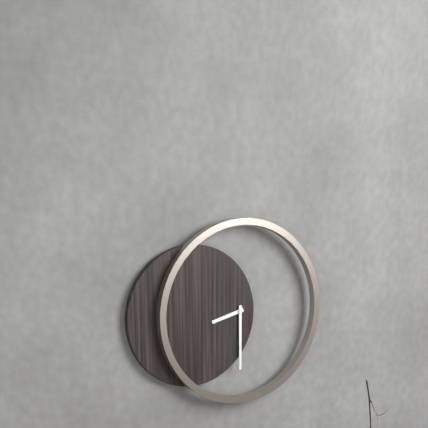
8:30
